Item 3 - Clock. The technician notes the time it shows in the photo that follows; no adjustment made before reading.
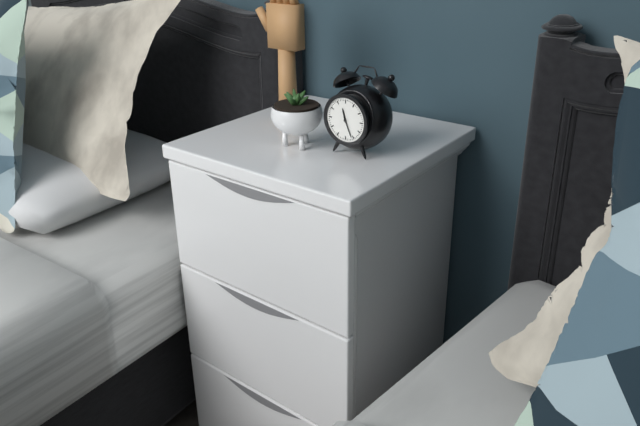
11:26
